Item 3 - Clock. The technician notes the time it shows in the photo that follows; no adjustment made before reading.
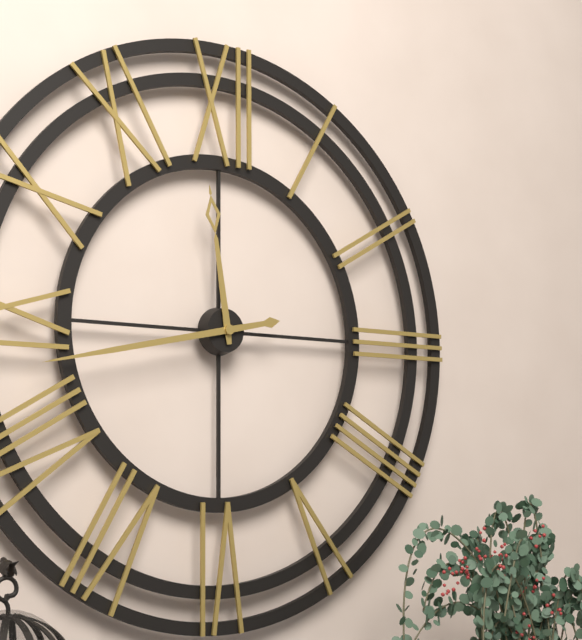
11:43
